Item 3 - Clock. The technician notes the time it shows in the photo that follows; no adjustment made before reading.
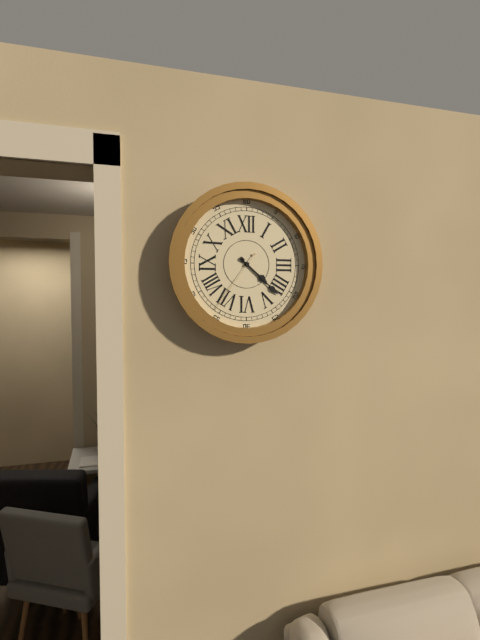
4:22:36
